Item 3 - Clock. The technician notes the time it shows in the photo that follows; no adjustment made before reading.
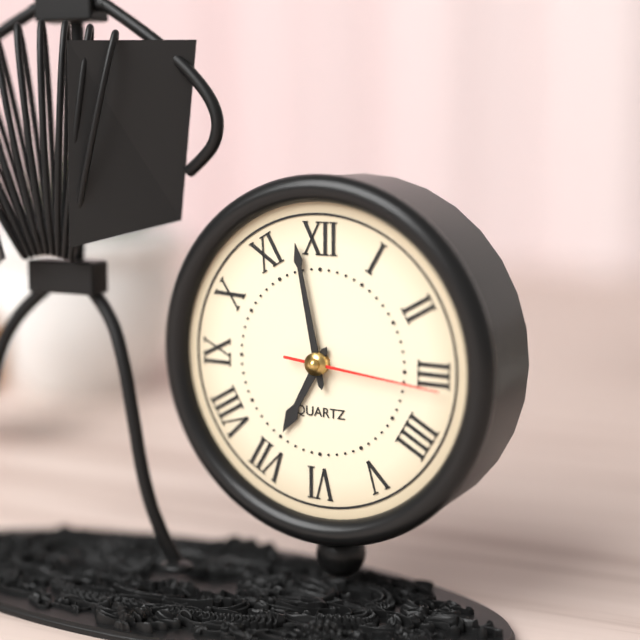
6:58:16
